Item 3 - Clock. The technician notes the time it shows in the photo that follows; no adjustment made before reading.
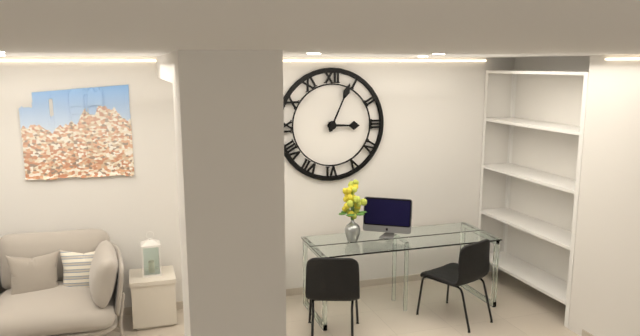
3:04
